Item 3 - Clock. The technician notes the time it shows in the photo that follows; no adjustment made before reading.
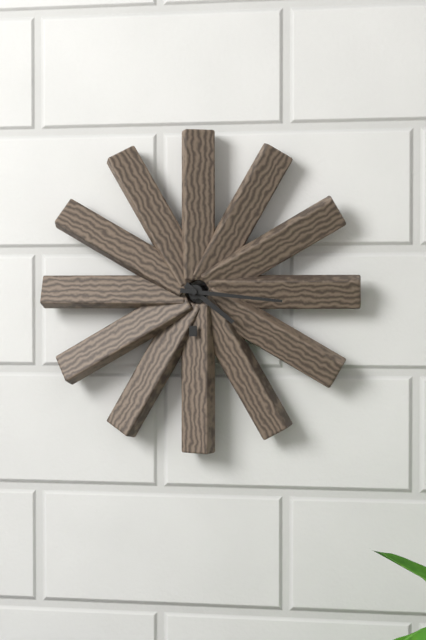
4:16
